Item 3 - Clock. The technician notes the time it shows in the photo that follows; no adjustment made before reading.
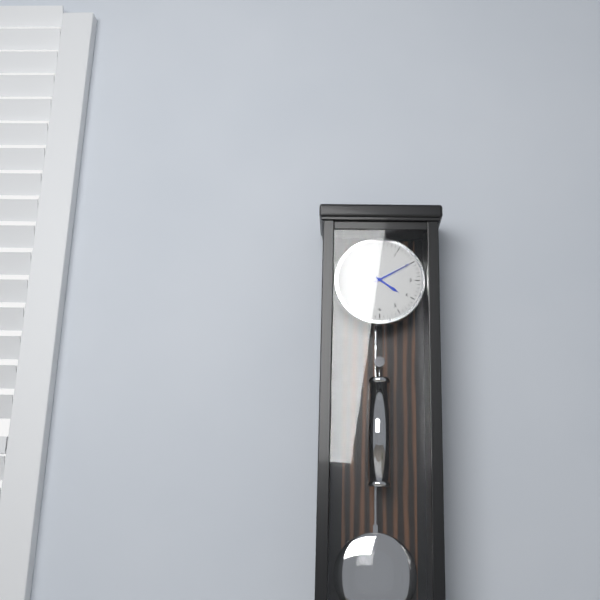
4:10
